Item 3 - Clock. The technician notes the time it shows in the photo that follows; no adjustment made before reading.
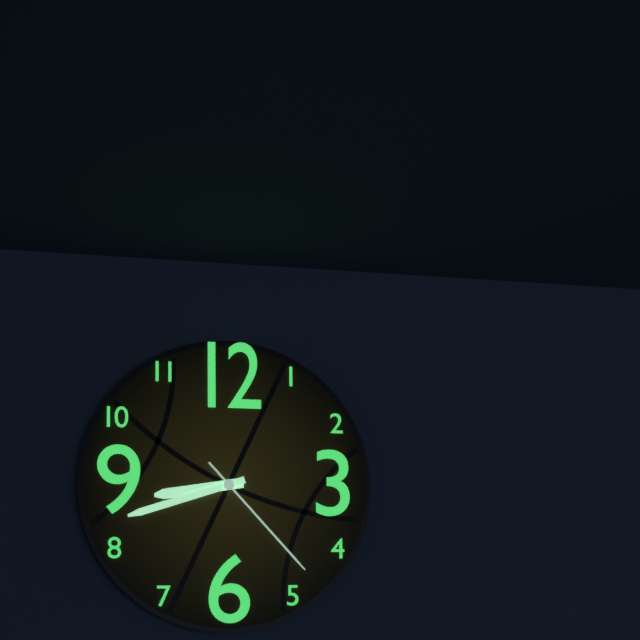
8:42:23
